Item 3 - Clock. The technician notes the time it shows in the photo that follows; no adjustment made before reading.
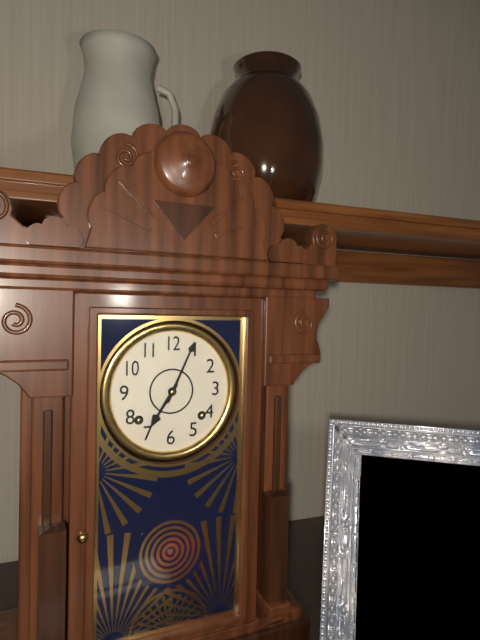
7:04
